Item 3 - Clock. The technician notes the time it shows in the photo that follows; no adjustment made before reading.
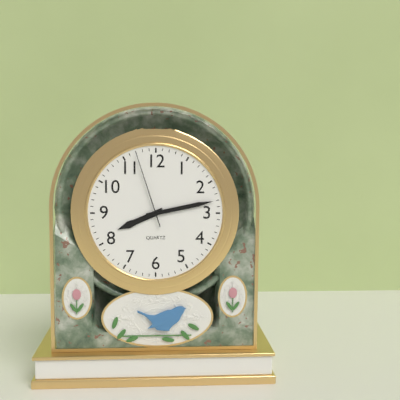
8:13:57
